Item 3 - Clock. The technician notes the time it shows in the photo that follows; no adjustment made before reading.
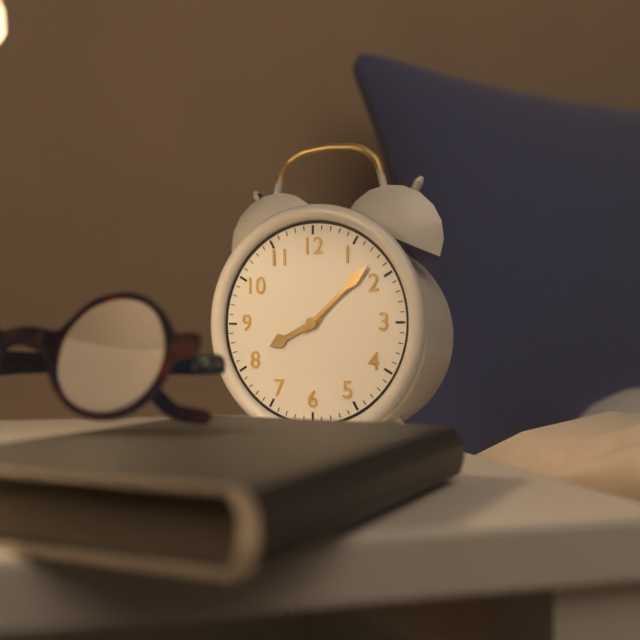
8:08
